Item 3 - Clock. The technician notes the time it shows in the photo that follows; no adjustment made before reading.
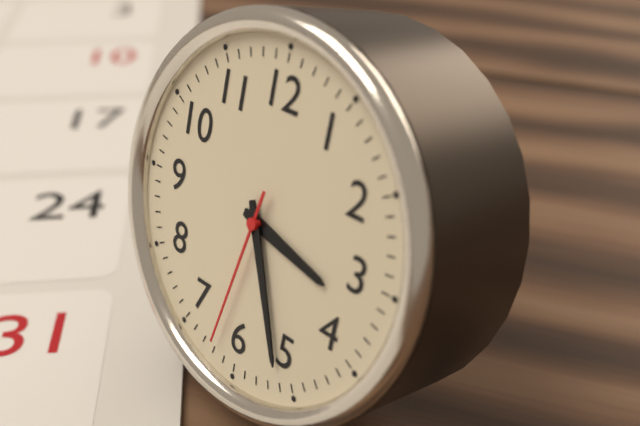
3:26:32
